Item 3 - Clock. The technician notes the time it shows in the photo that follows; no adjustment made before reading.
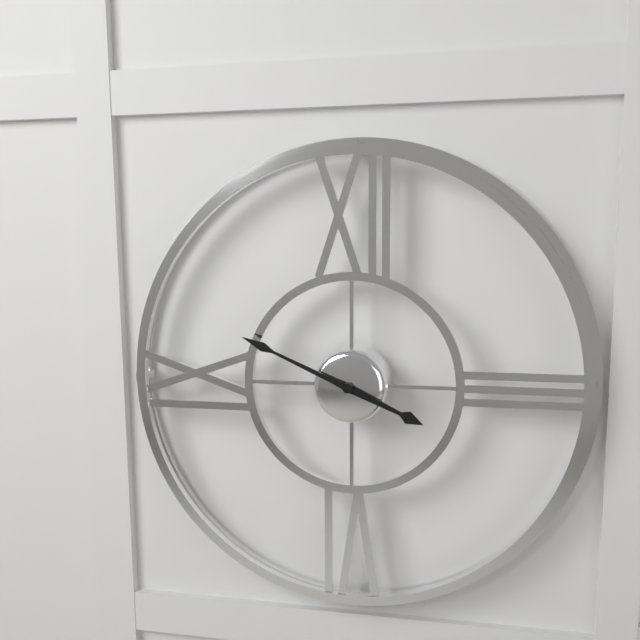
3:49
